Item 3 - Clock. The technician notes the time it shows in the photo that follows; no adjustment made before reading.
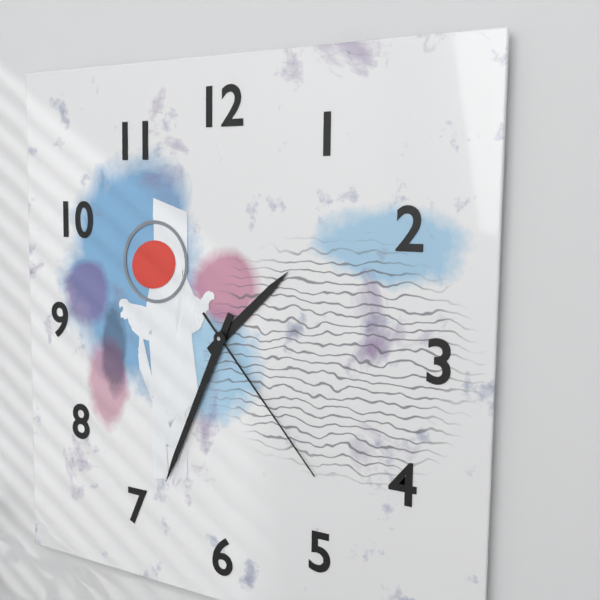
1:34:23
